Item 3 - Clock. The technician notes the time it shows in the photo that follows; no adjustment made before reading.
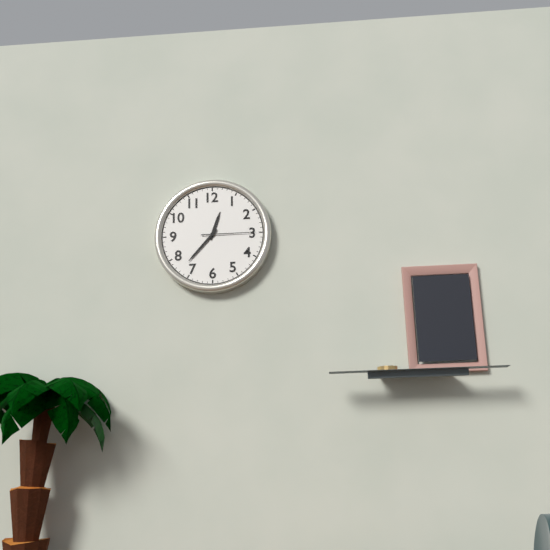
12:37:15
